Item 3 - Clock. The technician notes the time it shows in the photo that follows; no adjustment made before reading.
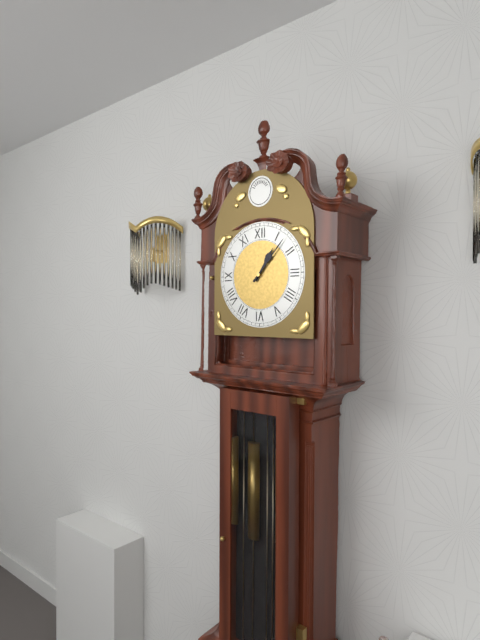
1:07
